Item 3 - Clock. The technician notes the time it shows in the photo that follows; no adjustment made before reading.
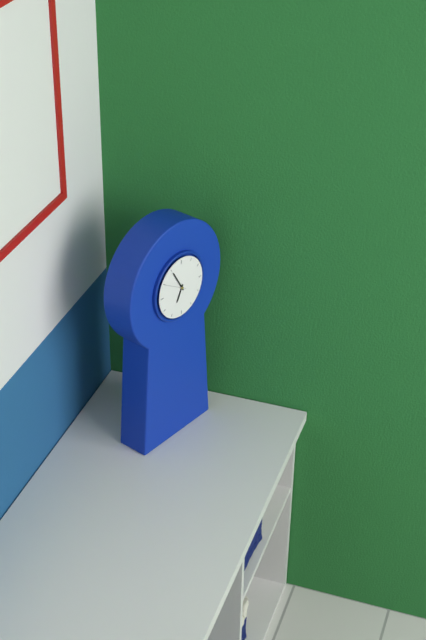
6:55
